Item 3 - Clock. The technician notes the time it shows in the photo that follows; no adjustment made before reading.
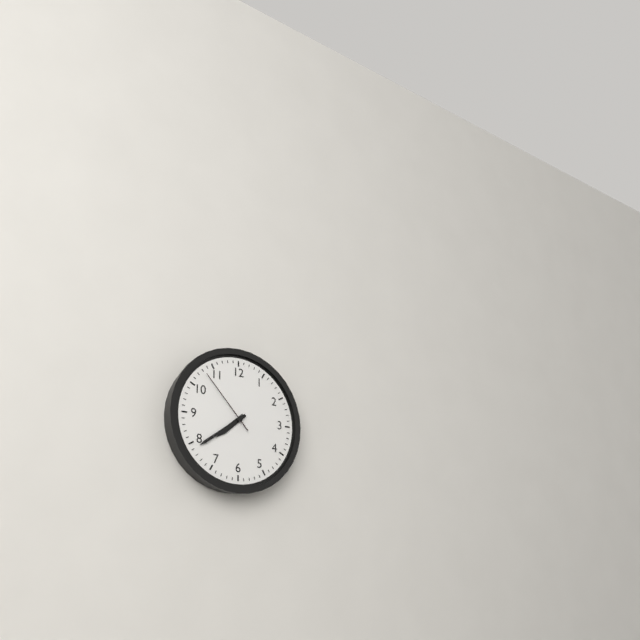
7:39:53
